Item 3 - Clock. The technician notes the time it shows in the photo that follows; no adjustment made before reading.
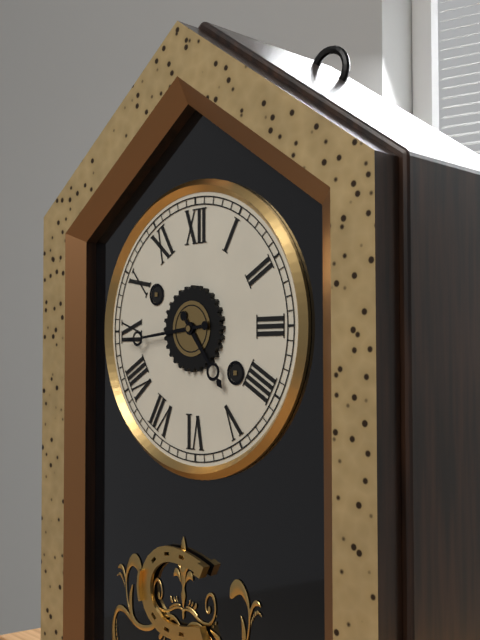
4:44
